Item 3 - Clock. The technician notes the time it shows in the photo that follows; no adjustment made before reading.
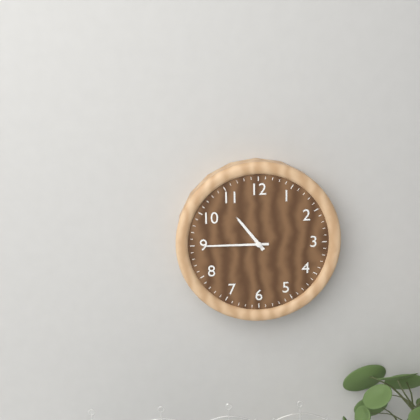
10:45
